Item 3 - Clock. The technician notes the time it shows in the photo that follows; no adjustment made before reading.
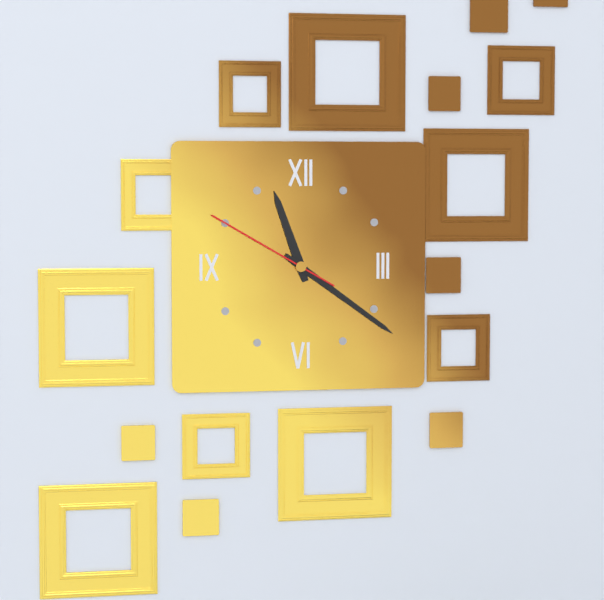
11:21:50
